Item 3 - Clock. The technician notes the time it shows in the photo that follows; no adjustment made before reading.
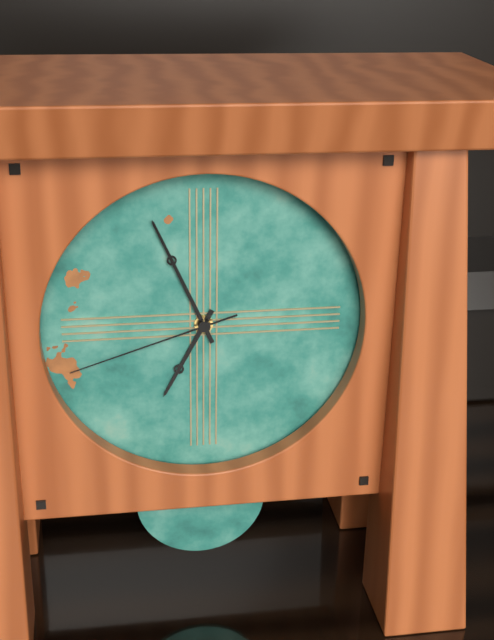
6:56:42
